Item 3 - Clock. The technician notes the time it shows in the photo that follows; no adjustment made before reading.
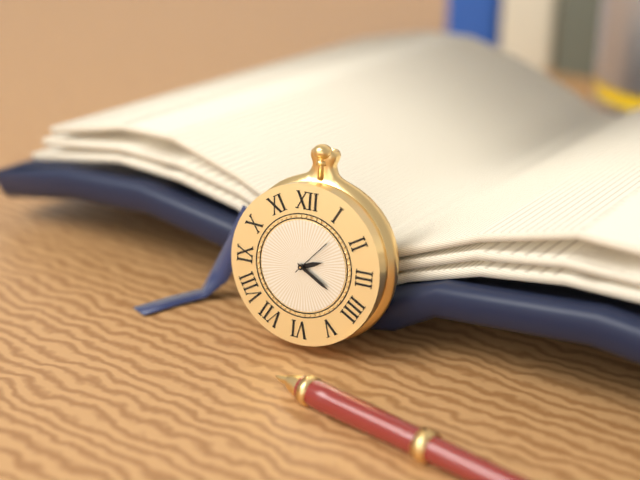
2:20
